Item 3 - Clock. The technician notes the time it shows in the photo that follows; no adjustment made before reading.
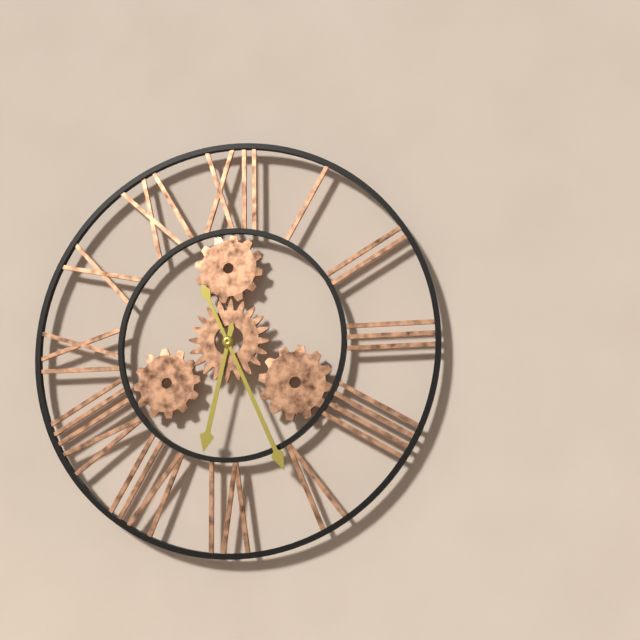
6:26
